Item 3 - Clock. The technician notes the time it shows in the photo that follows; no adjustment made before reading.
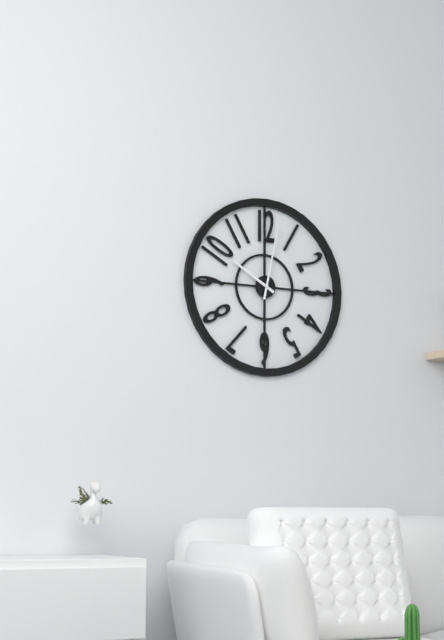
10:02
